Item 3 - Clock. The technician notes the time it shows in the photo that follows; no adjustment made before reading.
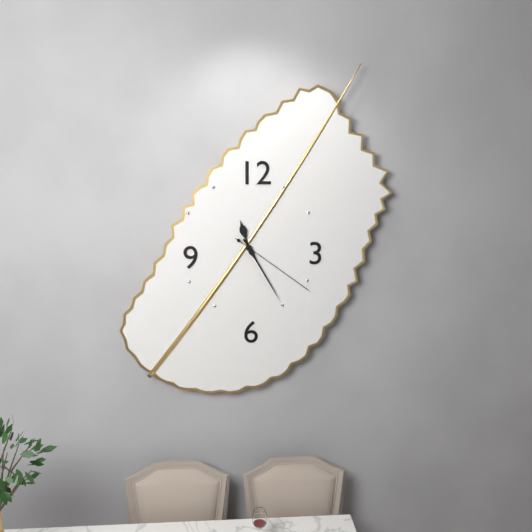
11:25:21
